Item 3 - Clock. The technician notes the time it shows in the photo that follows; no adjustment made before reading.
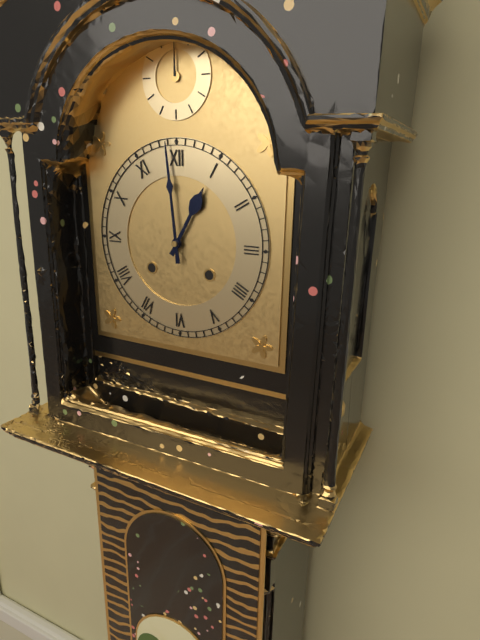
12:59
